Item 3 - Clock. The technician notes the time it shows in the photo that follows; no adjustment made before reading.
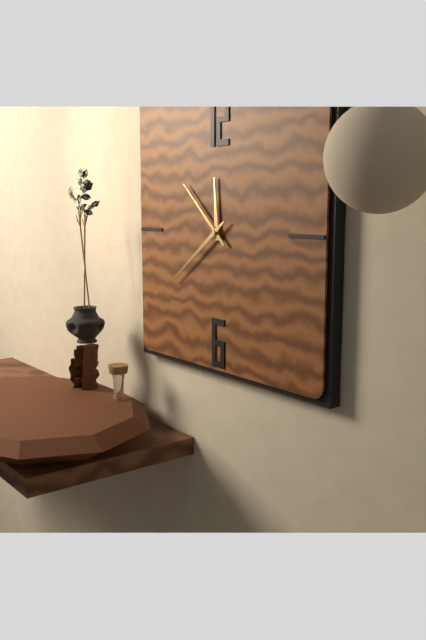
11:52:39
